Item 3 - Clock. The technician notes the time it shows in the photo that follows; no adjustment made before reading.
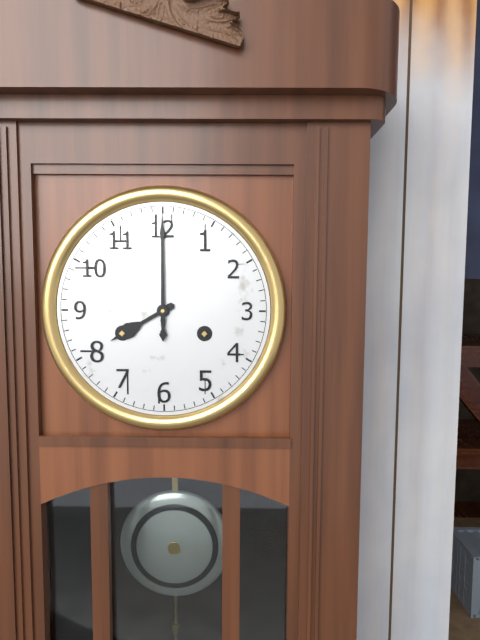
8:00
